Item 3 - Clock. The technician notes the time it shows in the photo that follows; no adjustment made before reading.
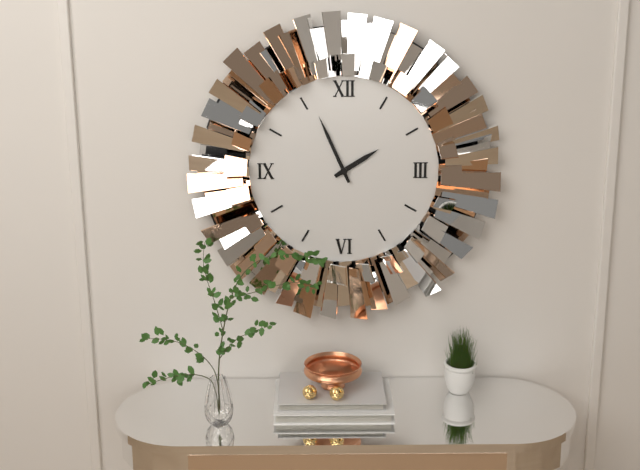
1:56
